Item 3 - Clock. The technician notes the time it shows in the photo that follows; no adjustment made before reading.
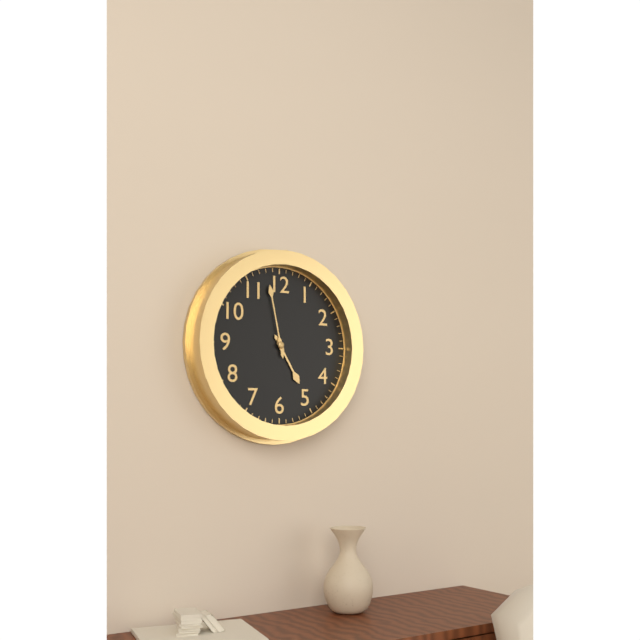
4:58
